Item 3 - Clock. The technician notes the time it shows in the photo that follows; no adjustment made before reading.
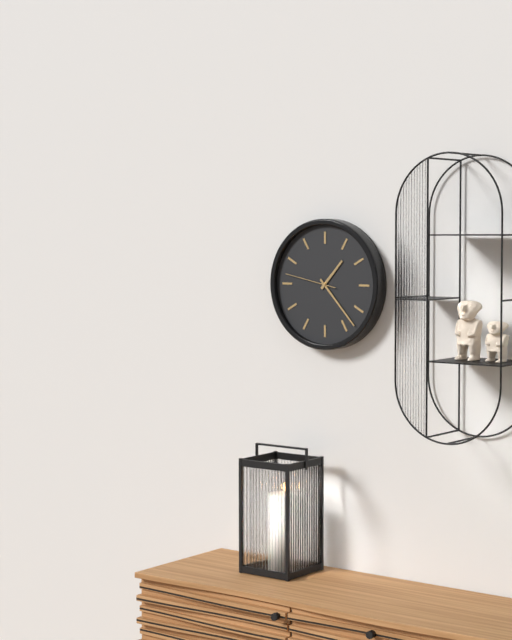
1:23:47
